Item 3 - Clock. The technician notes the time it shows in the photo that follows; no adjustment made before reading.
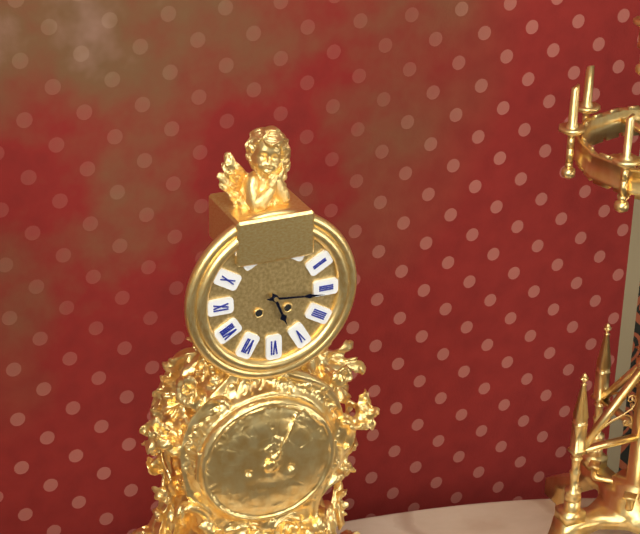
5:16
